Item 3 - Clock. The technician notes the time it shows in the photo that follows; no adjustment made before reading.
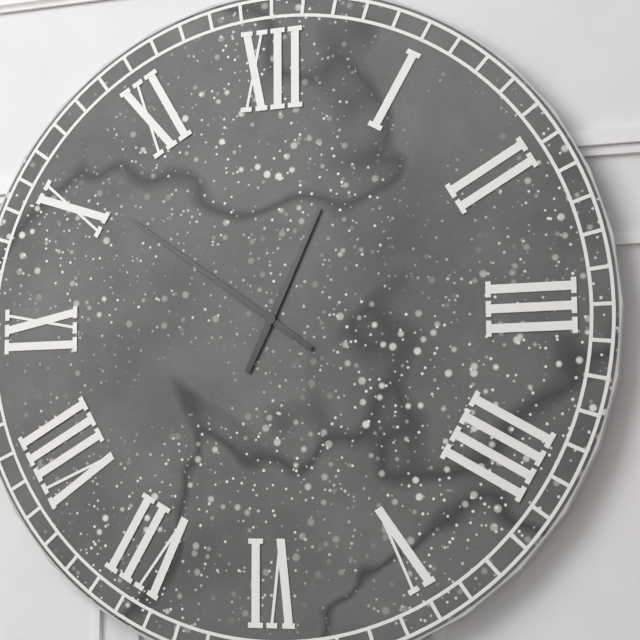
12:51
